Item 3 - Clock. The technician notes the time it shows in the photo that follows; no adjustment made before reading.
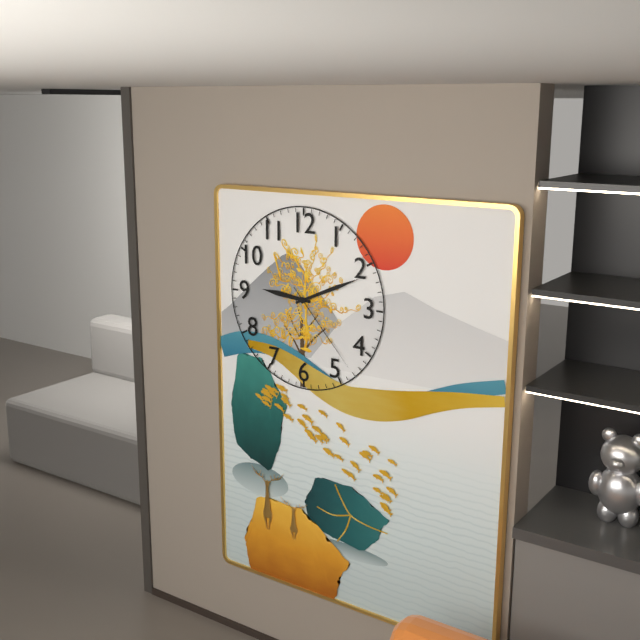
9:11:23
